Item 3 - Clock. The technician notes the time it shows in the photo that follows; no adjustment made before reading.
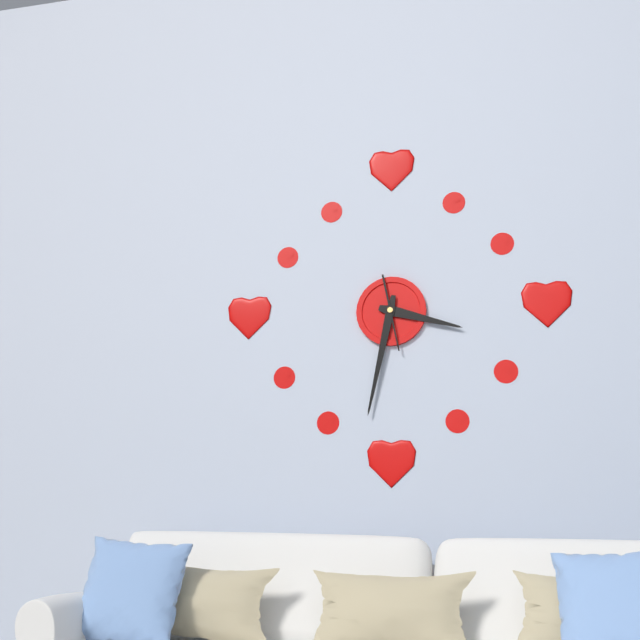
3:32:28
